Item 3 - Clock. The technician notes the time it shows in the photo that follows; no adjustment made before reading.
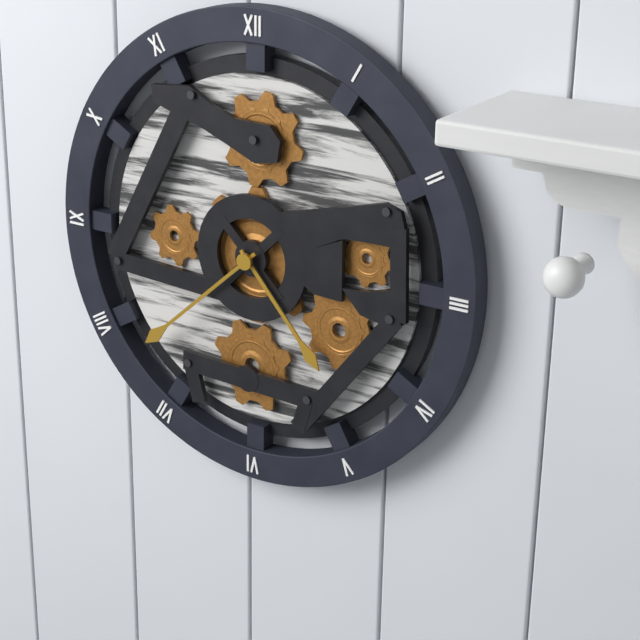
4:38
